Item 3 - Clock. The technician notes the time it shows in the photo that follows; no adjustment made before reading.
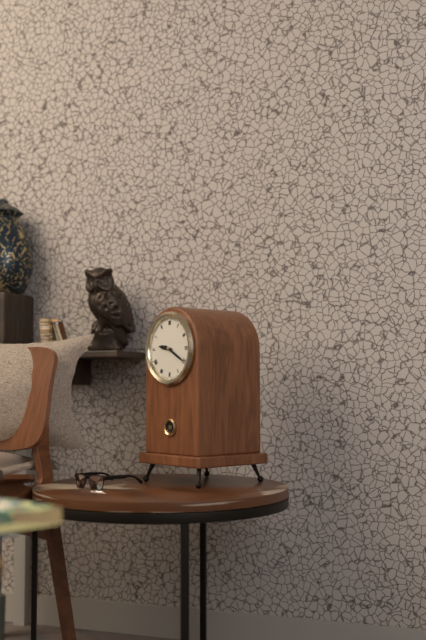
9:20
